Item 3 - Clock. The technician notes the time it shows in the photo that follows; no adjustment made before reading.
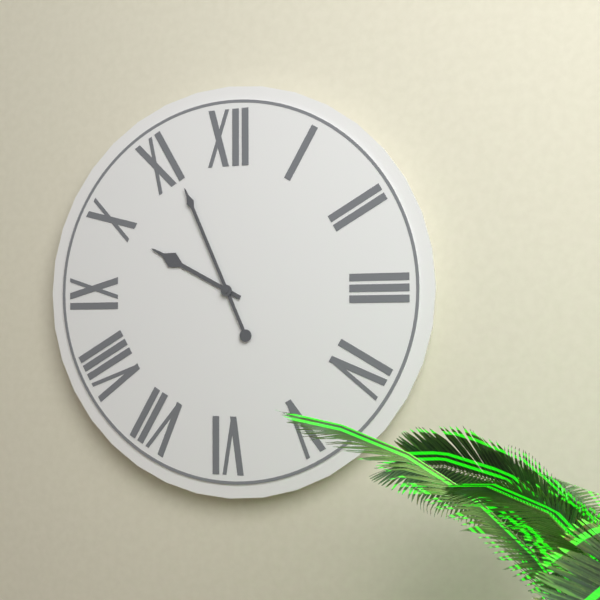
9:56
